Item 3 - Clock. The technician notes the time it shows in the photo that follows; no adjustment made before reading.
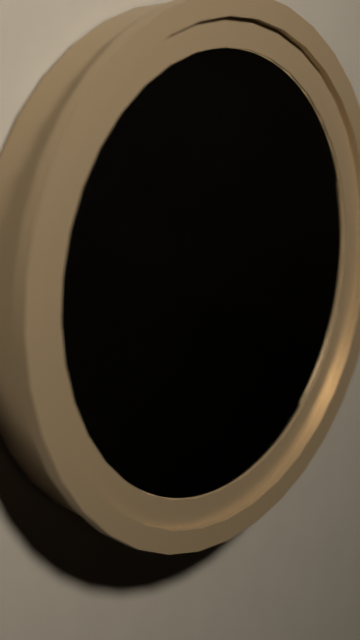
4:01:51
